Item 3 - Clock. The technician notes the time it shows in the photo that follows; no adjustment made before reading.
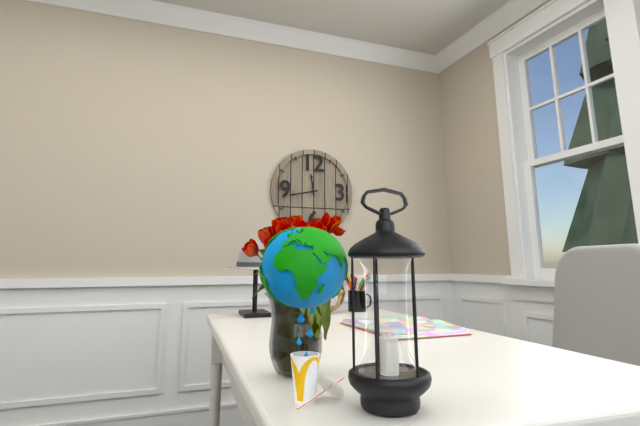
11:43
